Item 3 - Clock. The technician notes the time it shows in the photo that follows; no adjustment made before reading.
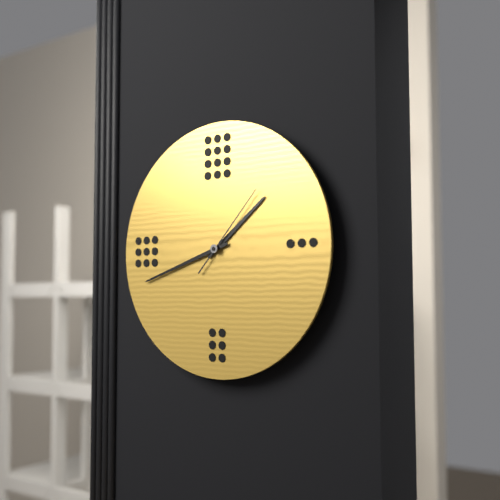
1:42:07
